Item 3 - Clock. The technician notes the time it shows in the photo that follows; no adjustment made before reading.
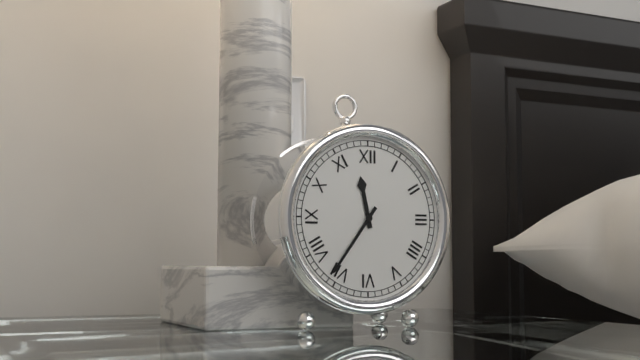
11:36
